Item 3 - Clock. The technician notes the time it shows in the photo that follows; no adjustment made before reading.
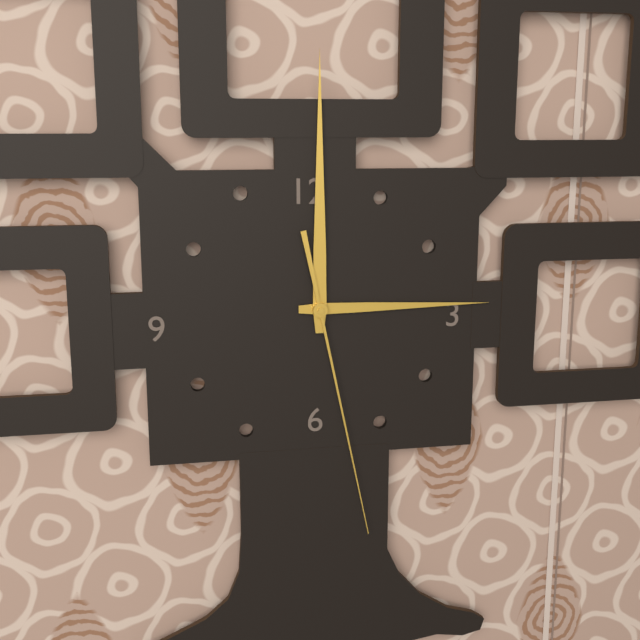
3:00:28
